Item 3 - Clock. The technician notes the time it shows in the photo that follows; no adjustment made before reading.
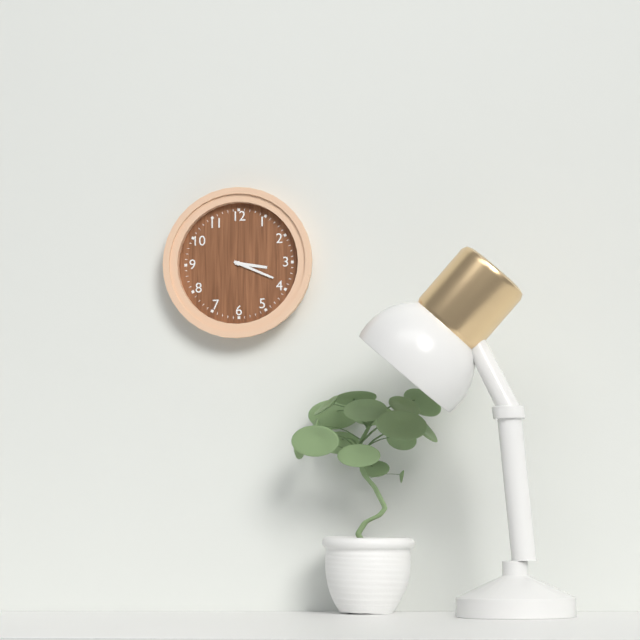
3:19
